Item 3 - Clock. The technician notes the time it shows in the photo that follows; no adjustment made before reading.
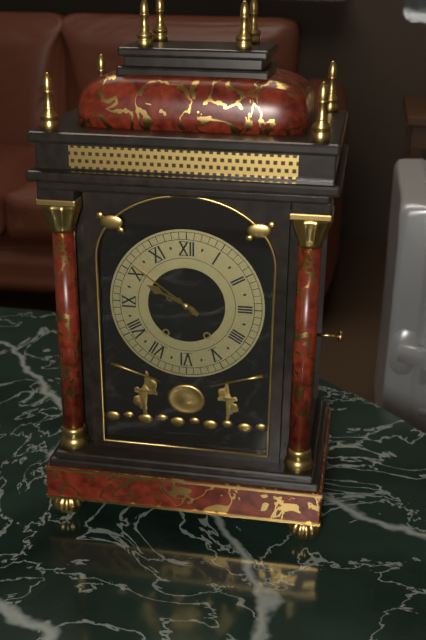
9:51
